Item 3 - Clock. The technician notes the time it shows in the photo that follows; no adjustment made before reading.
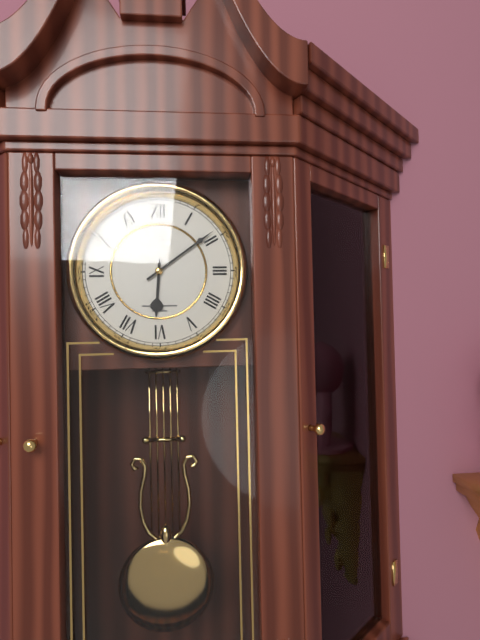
6:09
